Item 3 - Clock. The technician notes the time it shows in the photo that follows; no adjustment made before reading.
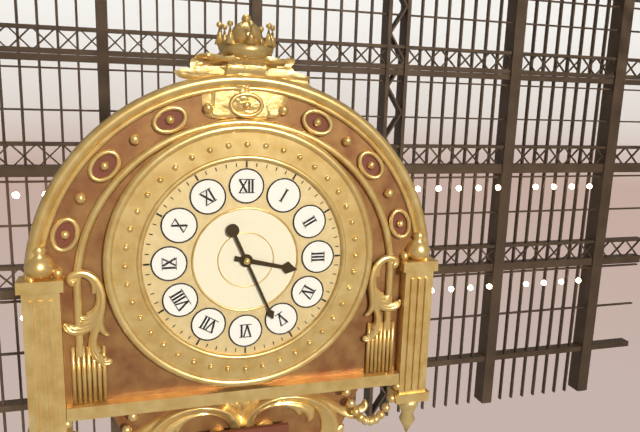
3:26
